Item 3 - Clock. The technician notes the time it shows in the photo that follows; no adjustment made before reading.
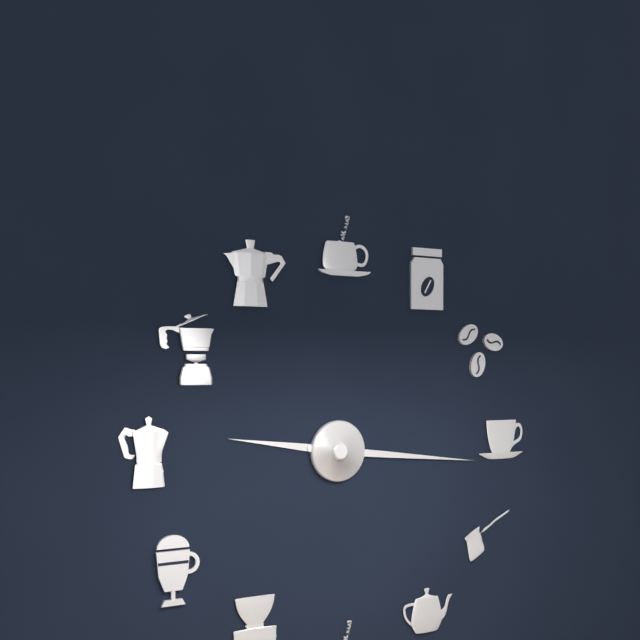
9:16
